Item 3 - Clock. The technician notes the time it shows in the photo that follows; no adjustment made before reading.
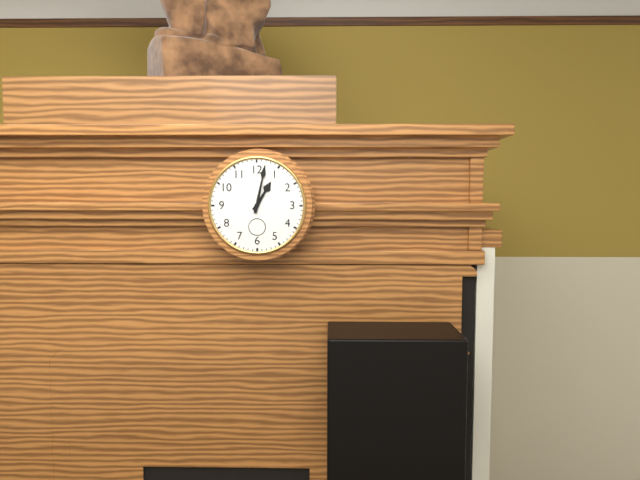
1:02
